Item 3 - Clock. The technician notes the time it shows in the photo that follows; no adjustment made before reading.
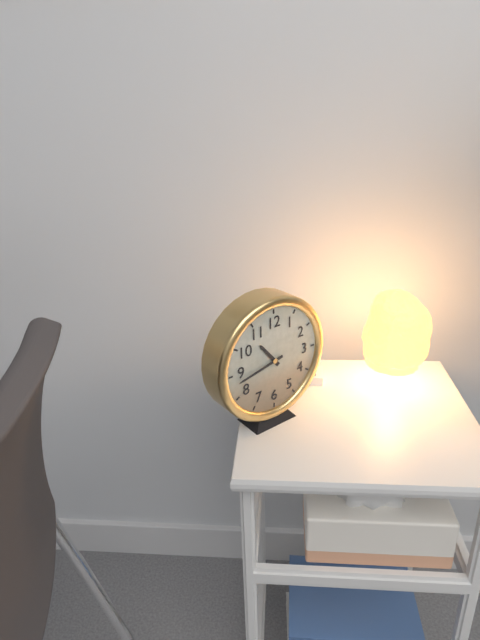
10:43
